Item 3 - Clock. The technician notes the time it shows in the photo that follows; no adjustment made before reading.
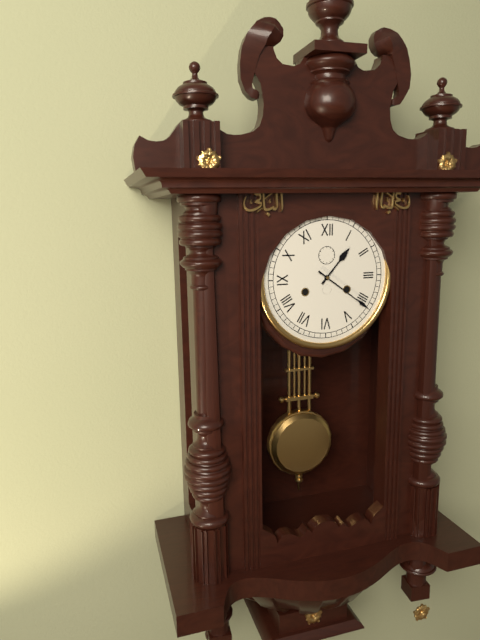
1:21
